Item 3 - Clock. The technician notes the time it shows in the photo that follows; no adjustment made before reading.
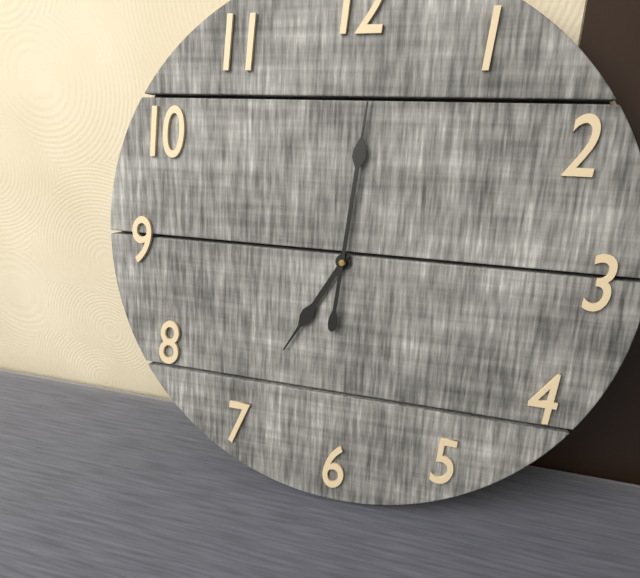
7:01
